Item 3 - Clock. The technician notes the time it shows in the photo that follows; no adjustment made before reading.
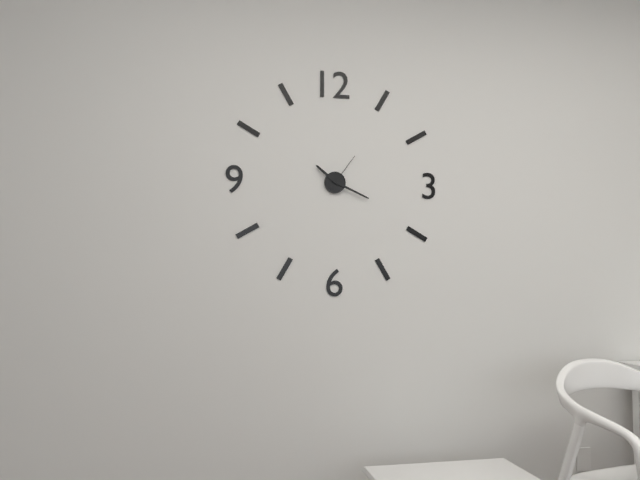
10:19
